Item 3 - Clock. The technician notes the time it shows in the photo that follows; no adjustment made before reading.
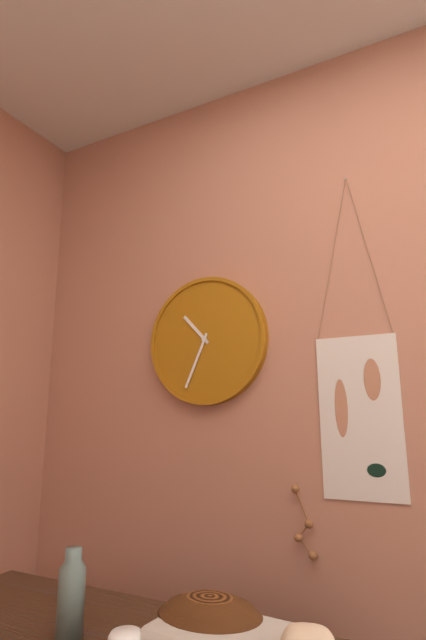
10:34
